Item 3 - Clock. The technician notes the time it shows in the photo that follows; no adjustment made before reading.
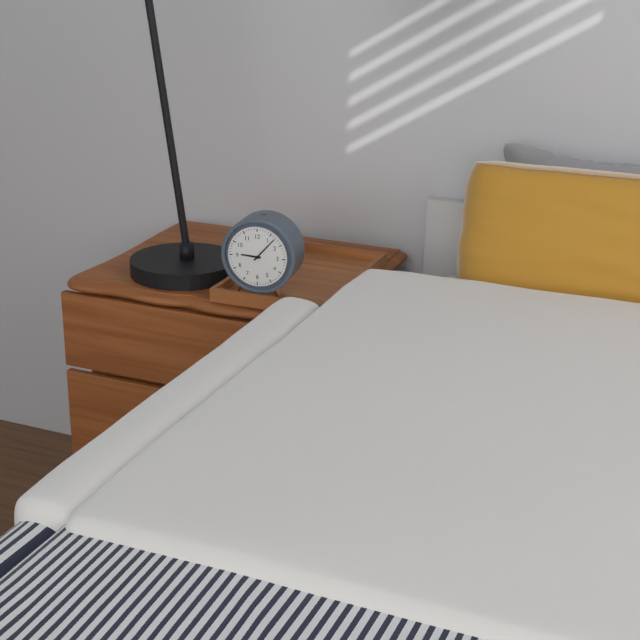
9:07
